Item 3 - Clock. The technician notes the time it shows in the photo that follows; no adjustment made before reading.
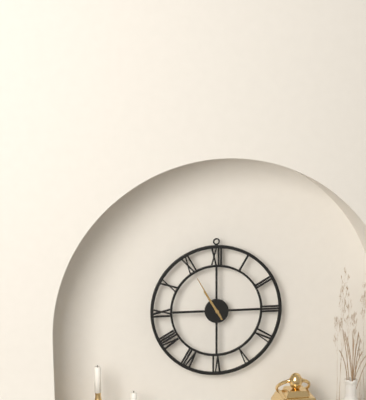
10:55
